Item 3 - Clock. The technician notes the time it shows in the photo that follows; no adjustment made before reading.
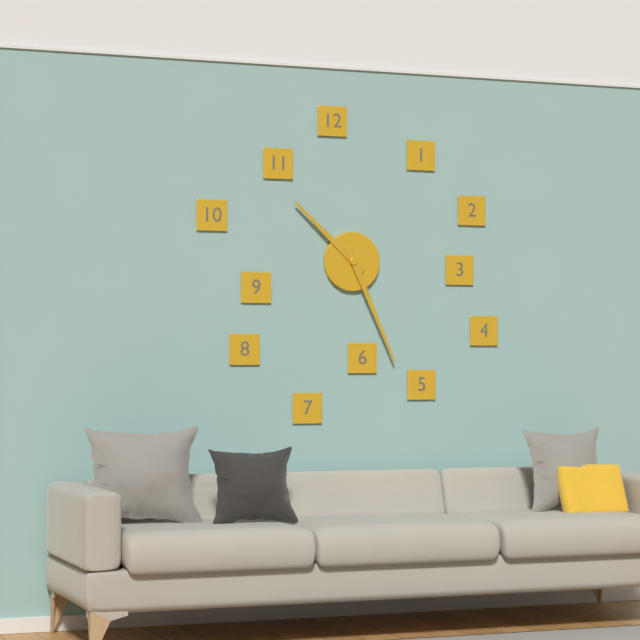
10:26
